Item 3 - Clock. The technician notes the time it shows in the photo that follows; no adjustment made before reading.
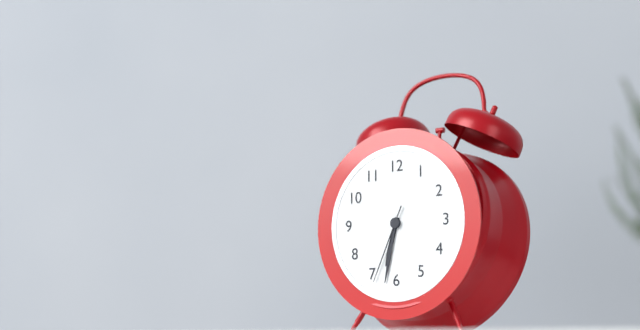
6:32:34
